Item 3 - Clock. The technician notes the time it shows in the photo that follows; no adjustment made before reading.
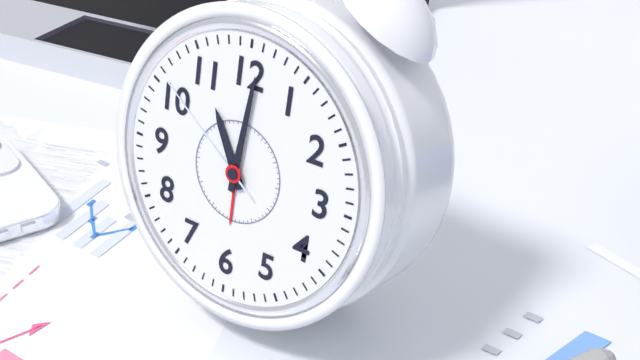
11:01:51
